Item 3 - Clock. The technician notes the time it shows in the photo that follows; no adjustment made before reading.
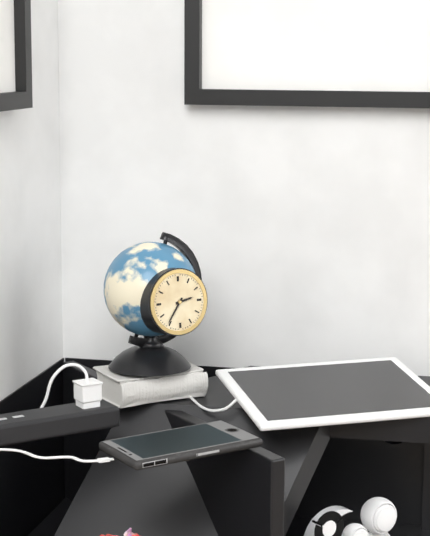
2:36
